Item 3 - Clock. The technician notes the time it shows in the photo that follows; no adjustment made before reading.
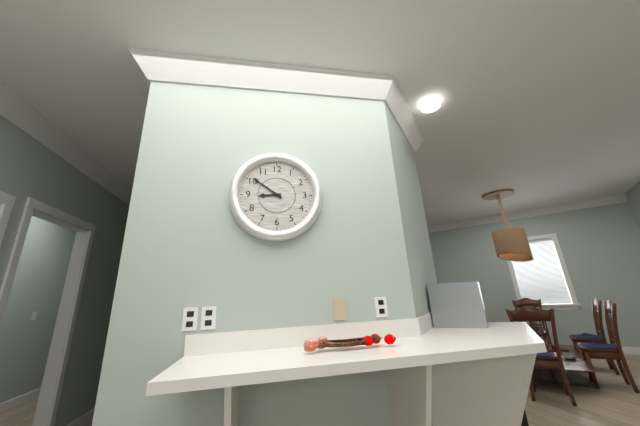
8:51
